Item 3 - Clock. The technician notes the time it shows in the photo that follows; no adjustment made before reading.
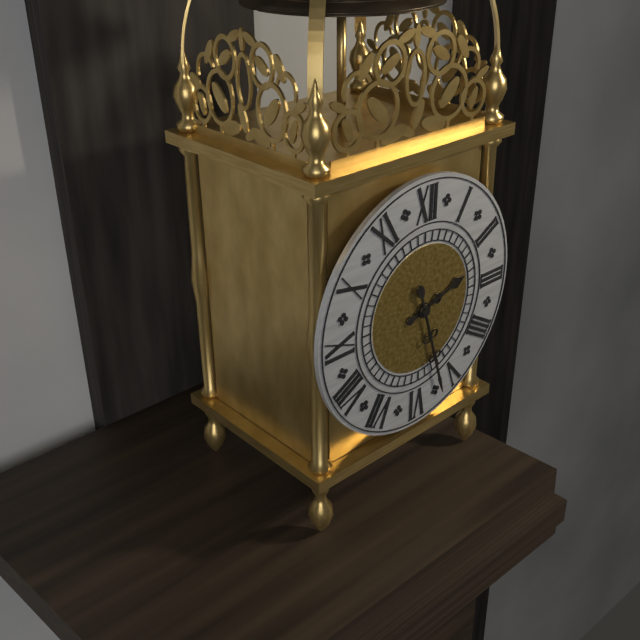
2:27
